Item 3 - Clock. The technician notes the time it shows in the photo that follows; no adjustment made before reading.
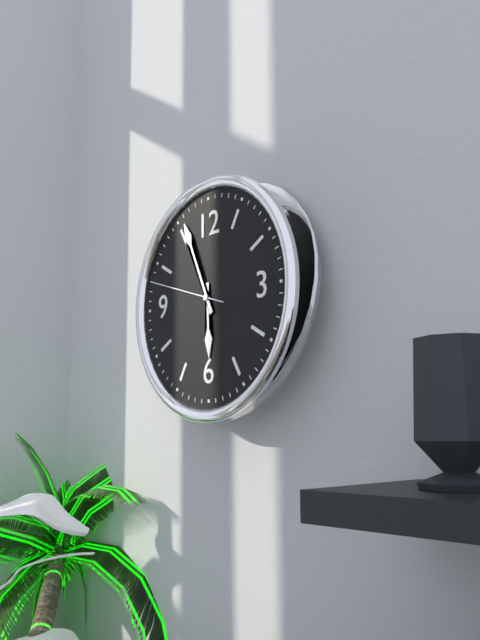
5:56:48
